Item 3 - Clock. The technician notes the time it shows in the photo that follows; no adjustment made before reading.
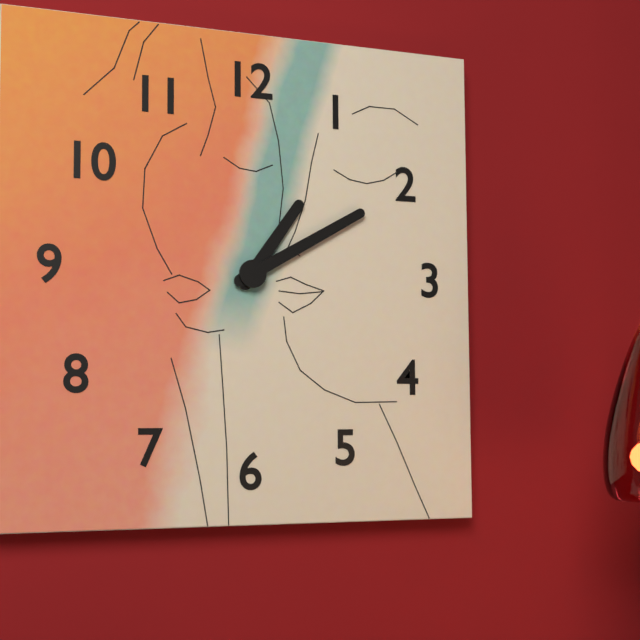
1:10
